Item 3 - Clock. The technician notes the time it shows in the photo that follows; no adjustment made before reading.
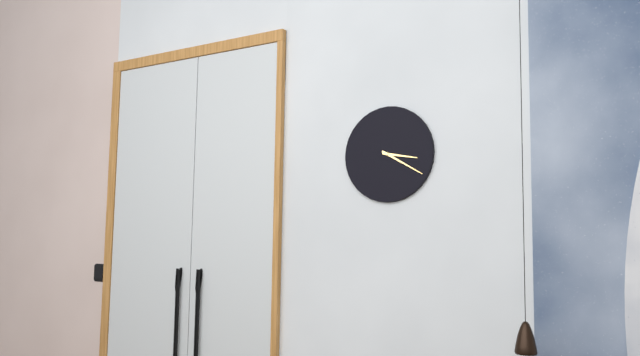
3:20
